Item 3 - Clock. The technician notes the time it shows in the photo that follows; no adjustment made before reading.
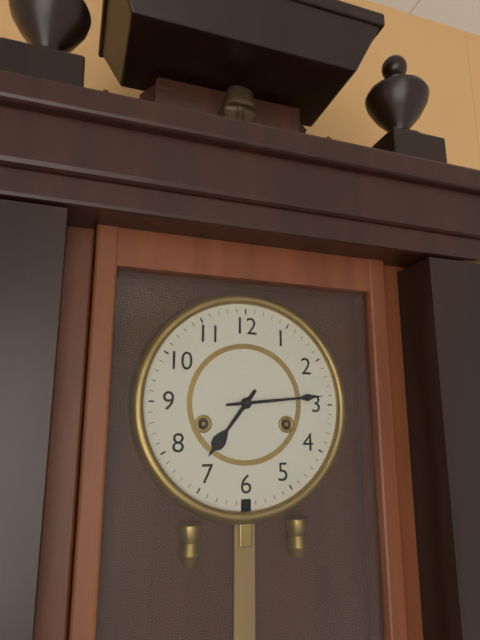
7:14
